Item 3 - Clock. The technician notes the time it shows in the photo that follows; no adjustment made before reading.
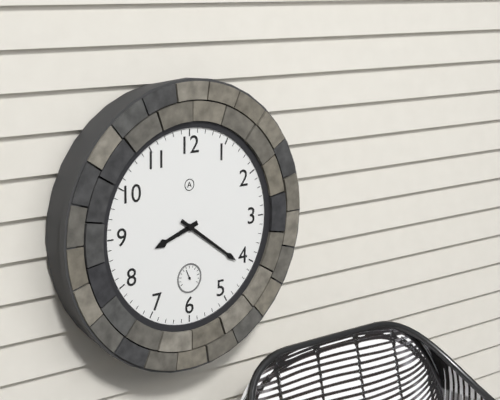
8:21
